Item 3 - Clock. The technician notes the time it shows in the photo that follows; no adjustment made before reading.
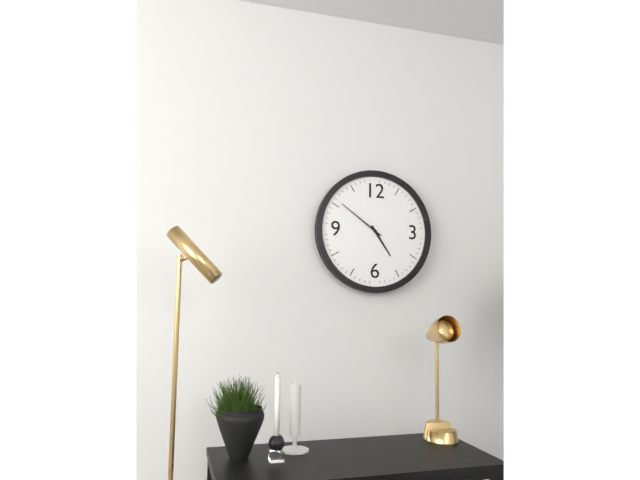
4:51
